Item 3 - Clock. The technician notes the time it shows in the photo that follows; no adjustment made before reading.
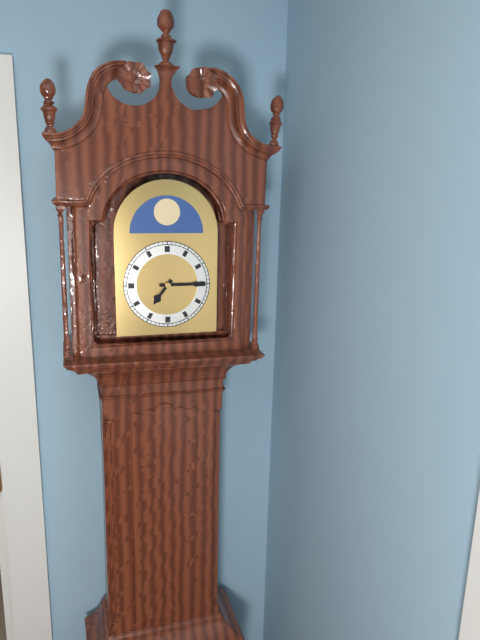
7:15
